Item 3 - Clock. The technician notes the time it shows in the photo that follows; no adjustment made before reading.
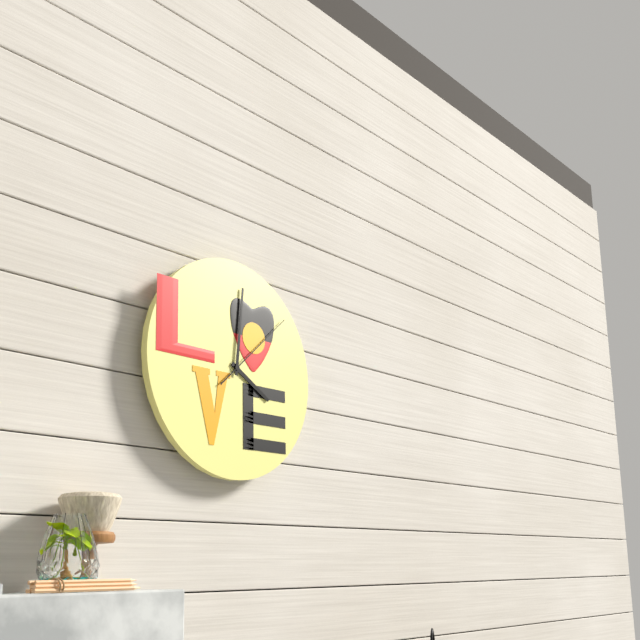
4:01:08
